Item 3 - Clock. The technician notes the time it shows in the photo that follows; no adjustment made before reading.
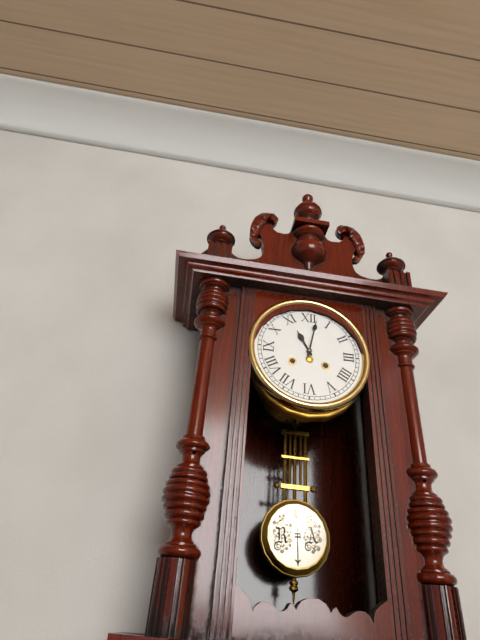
11:02
